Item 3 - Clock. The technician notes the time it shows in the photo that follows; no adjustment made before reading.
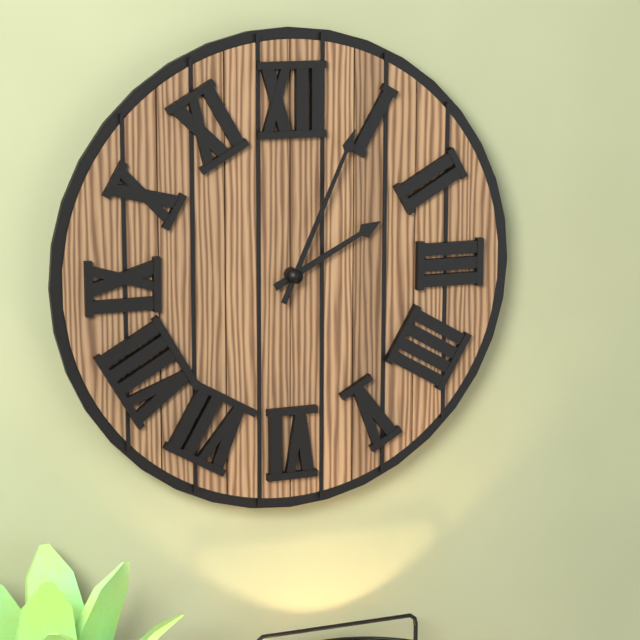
2:04
